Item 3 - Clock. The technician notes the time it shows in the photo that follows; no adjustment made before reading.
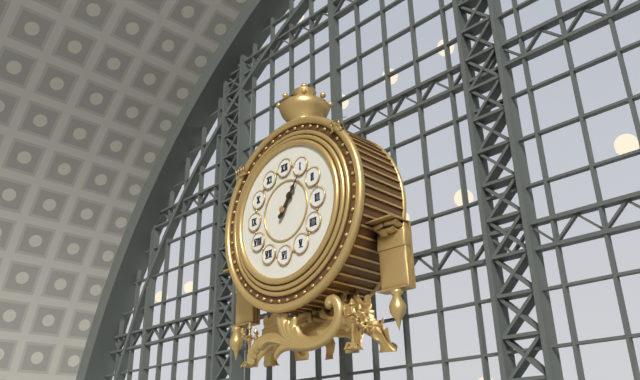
1:06
